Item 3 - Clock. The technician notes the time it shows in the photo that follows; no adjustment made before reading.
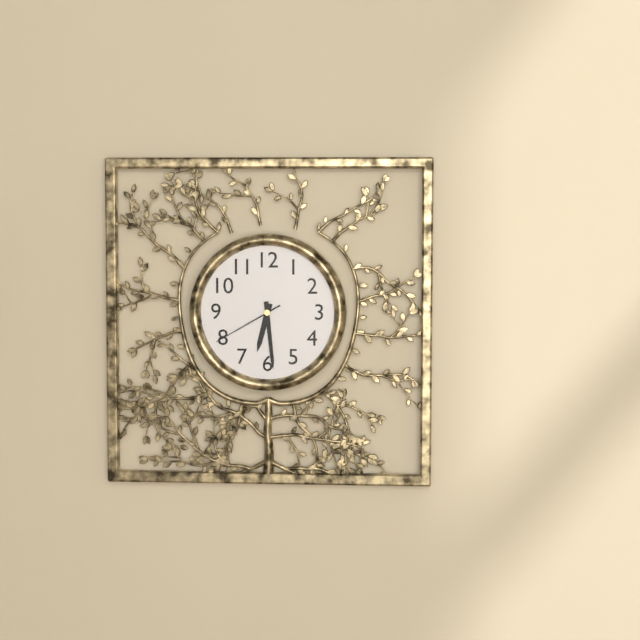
6:29:40
